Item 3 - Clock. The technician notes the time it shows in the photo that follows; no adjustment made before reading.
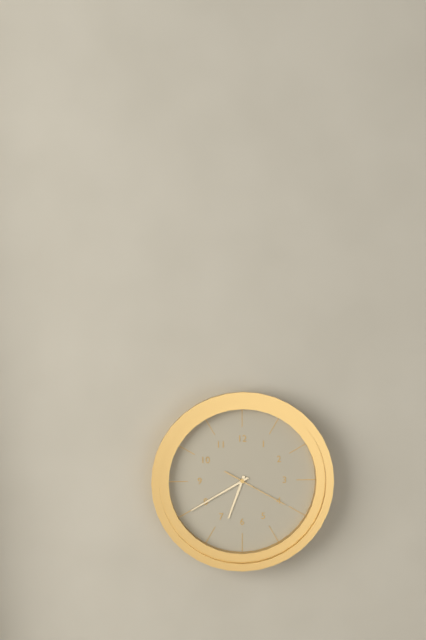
6:40:20
